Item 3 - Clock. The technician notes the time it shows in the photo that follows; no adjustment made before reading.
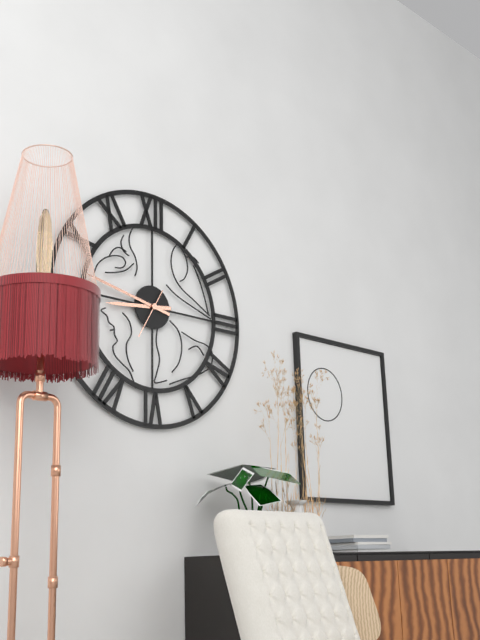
8:47
